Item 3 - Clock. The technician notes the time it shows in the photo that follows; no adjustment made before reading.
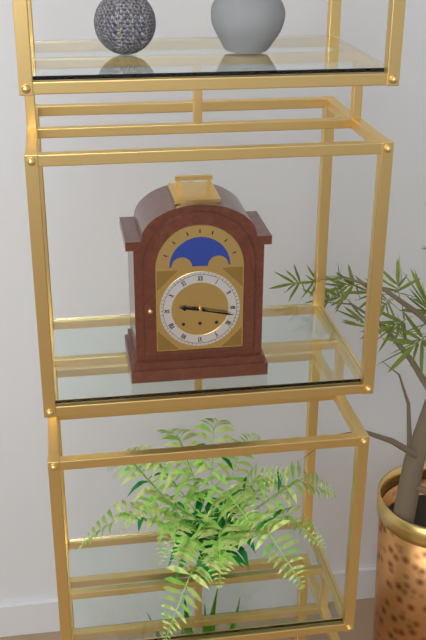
9:17
